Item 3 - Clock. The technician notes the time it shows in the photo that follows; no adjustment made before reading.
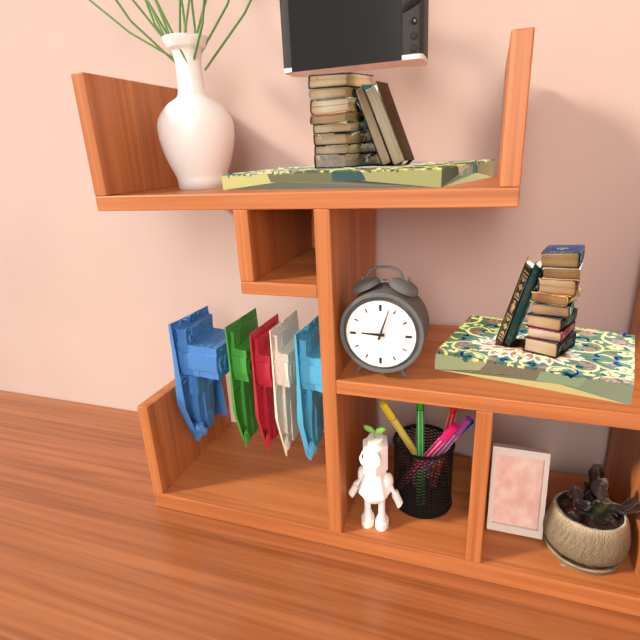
9:03
